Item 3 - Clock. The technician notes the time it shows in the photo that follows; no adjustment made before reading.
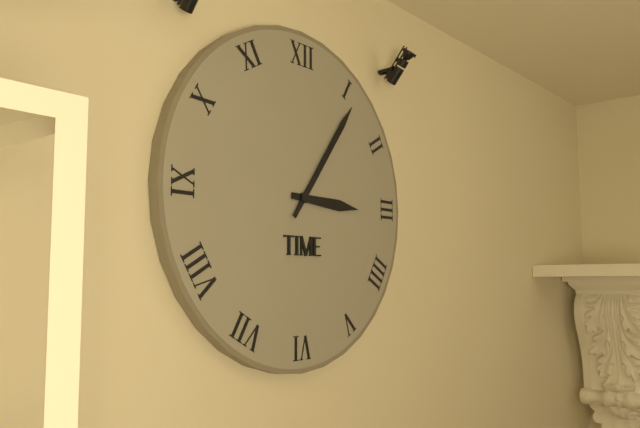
3:06
